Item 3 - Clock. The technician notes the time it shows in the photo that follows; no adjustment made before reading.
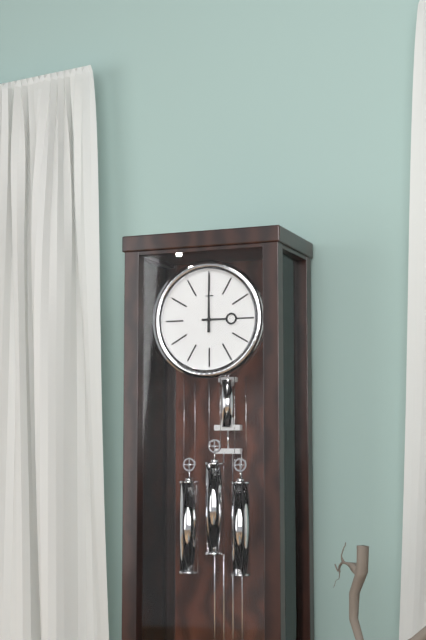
3:00
